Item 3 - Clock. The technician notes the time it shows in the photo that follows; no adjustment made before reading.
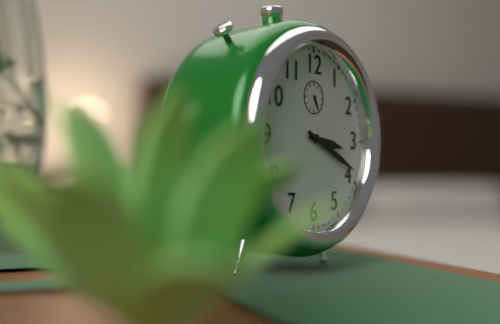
3:19
